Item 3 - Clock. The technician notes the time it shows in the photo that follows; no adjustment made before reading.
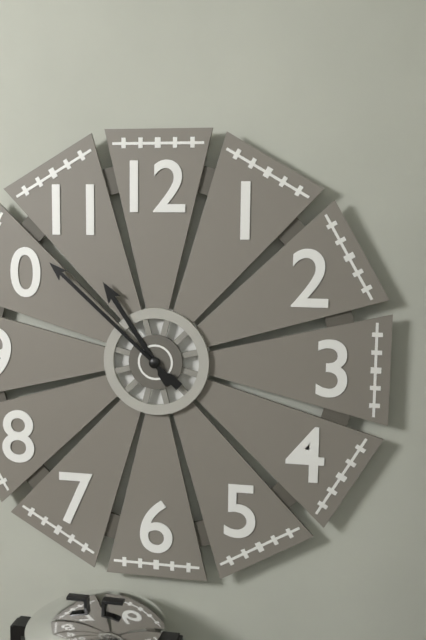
10:52
